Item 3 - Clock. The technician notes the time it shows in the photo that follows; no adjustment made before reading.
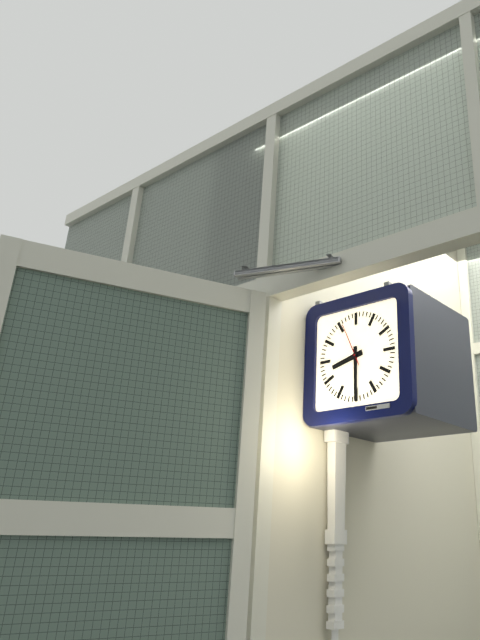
8:30
